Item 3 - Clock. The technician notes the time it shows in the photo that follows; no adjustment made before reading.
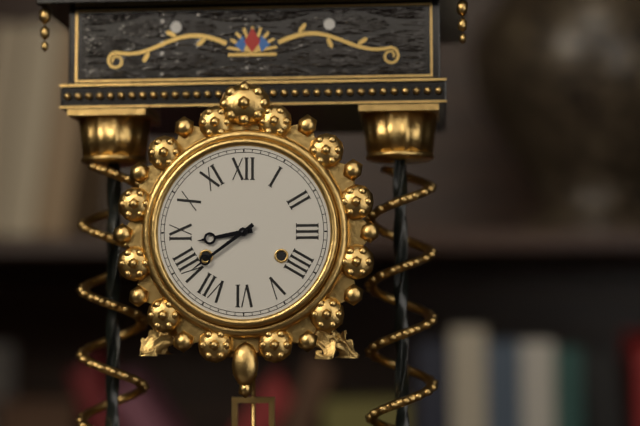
8:39
